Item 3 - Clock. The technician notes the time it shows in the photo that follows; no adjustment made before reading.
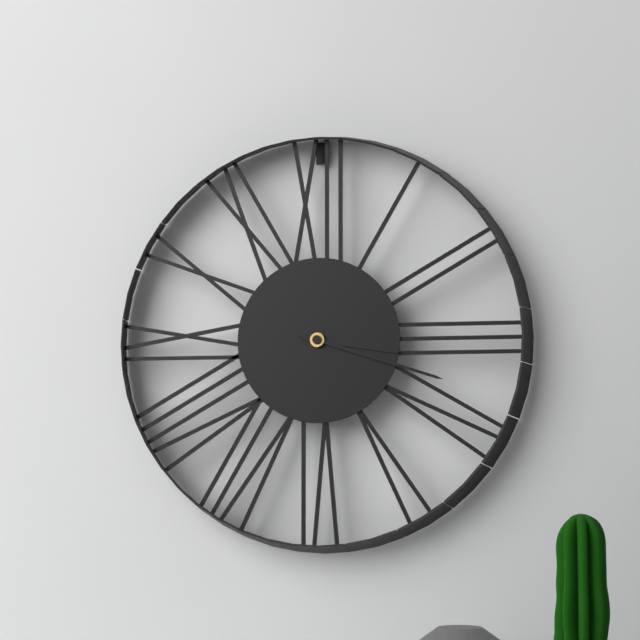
3:18
